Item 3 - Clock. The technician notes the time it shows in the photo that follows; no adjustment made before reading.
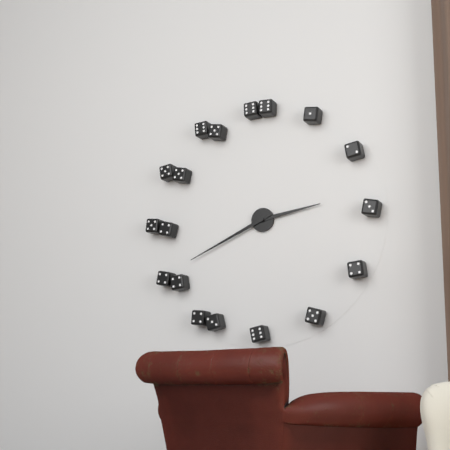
2:41
